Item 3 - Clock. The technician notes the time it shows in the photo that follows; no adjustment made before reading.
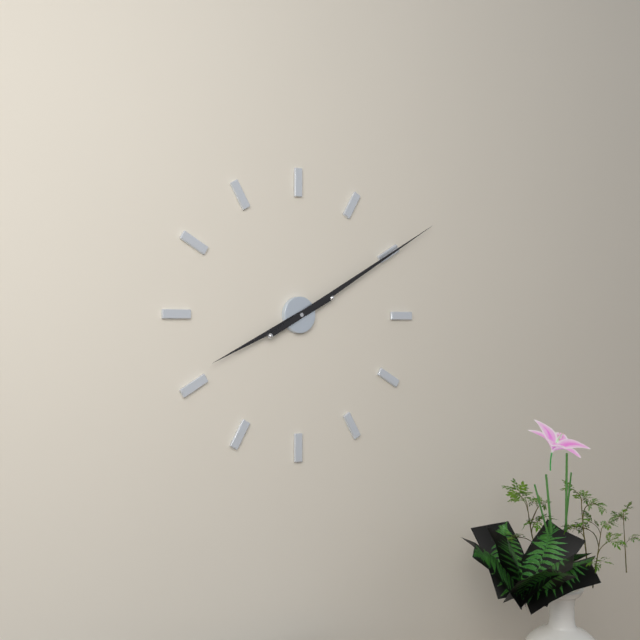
8:10
